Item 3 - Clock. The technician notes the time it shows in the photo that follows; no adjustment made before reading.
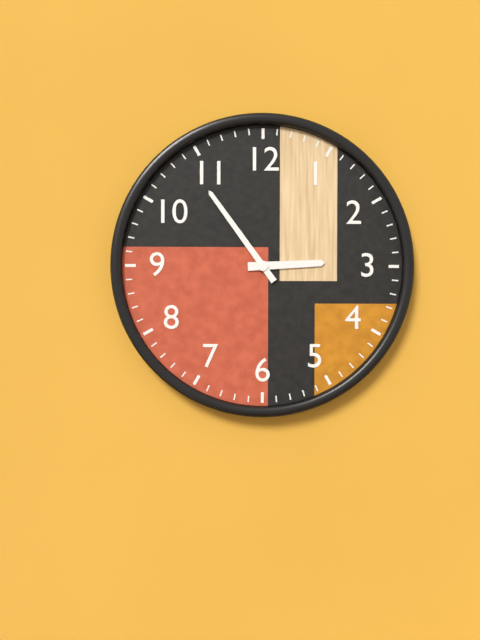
2:54
